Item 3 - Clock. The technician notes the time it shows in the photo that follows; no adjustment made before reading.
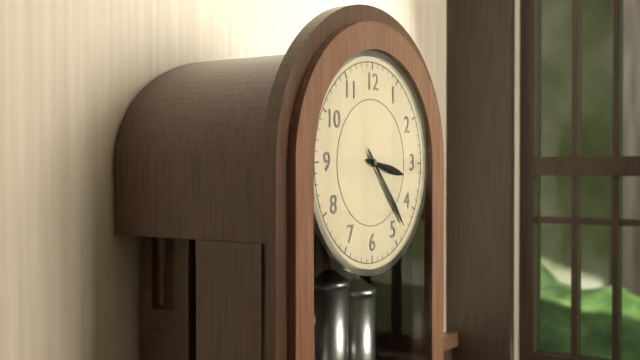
3:23
